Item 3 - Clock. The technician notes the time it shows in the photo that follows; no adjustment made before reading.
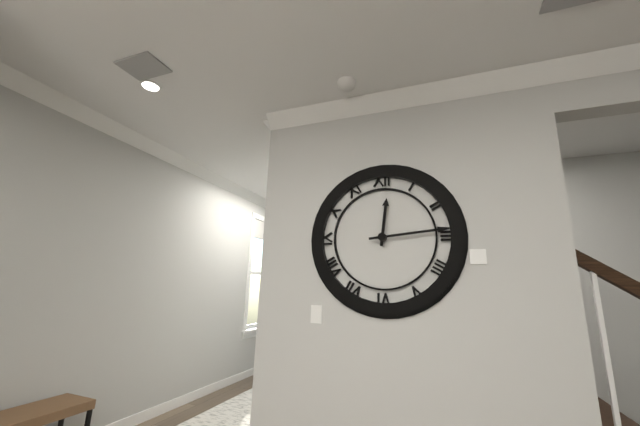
12:14
